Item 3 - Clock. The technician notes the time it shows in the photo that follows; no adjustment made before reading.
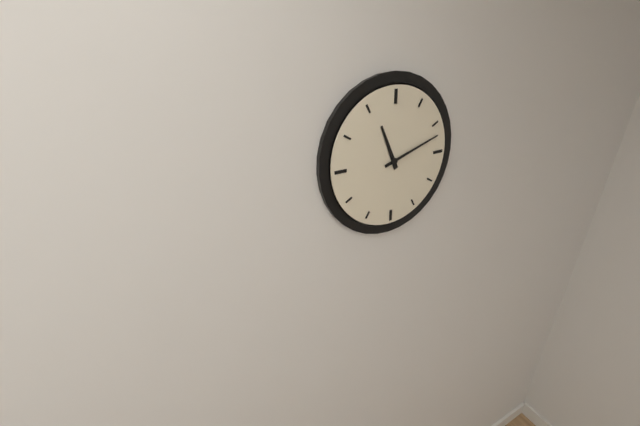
11:12
